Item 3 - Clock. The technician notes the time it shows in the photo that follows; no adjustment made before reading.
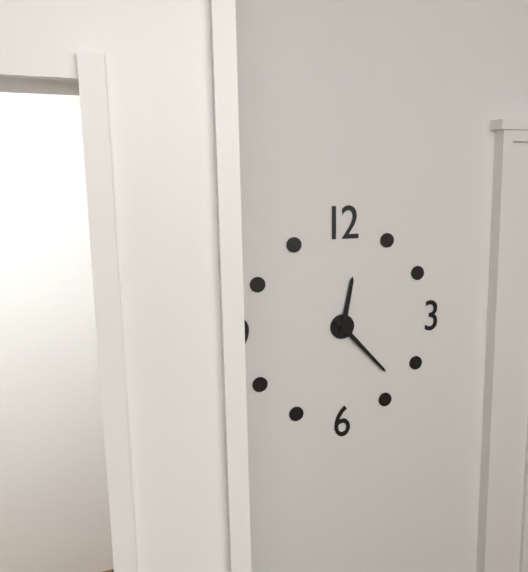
12:23
